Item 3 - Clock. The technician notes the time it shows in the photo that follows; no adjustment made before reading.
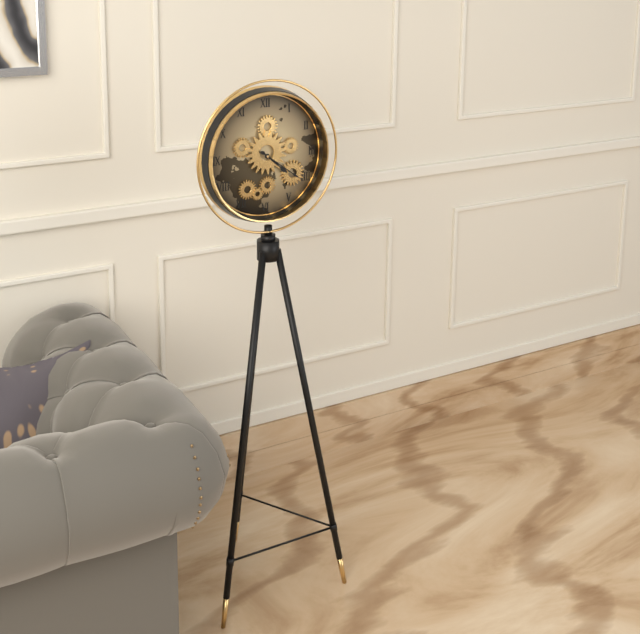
4:21
